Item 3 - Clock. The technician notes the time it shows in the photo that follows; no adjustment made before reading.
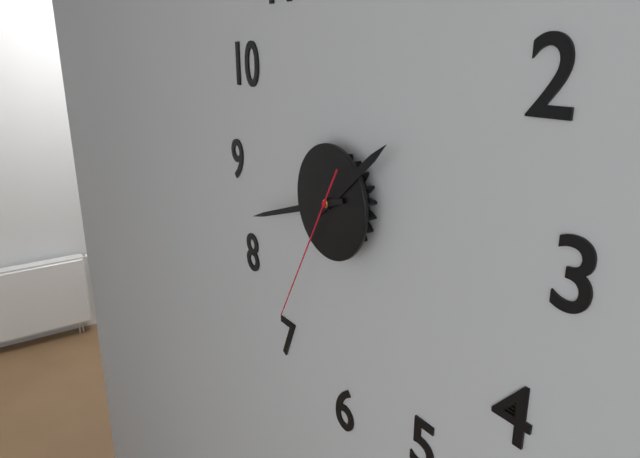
1:42:35
